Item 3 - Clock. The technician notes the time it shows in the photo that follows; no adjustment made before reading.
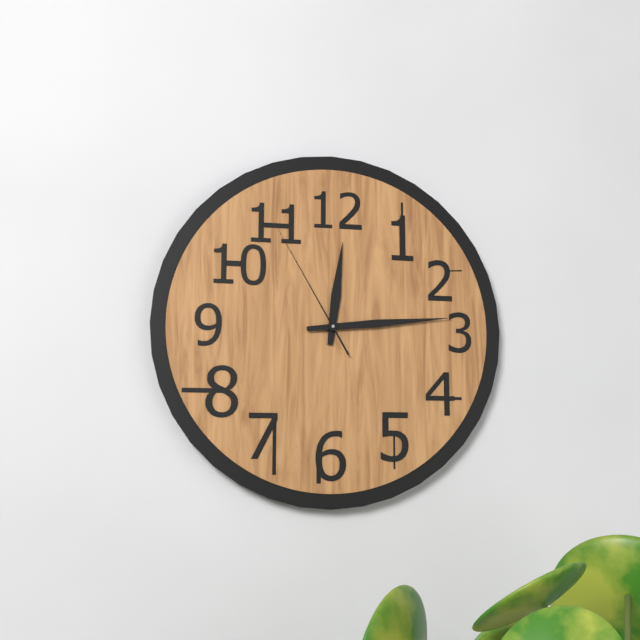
12:14:55
